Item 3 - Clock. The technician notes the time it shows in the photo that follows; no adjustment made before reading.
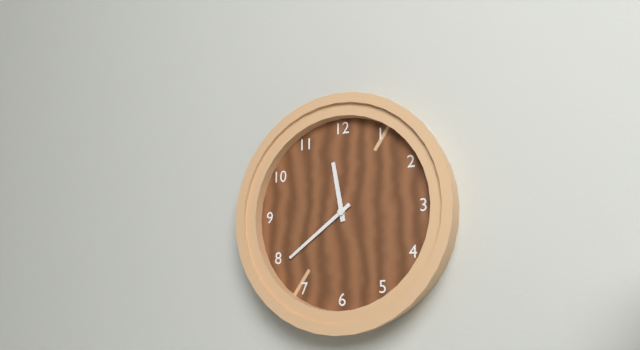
11:39
